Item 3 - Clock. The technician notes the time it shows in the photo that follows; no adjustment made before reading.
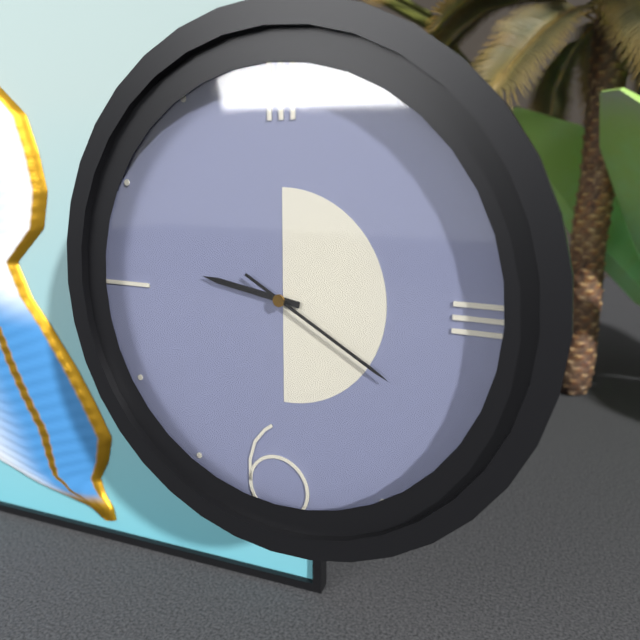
9:20
